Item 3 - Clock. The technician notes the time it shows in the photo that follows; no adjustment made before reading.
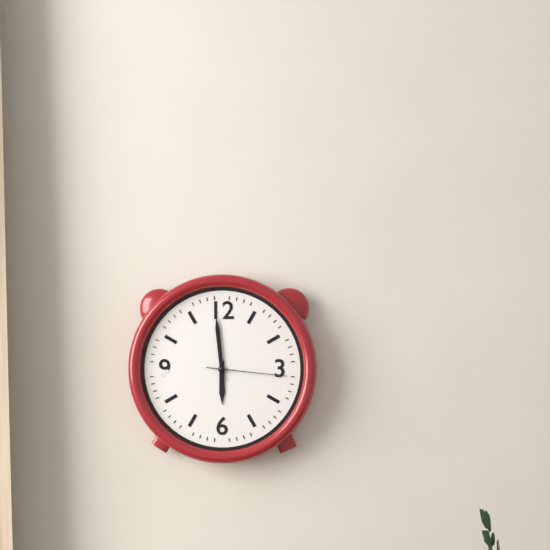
5:59:16
